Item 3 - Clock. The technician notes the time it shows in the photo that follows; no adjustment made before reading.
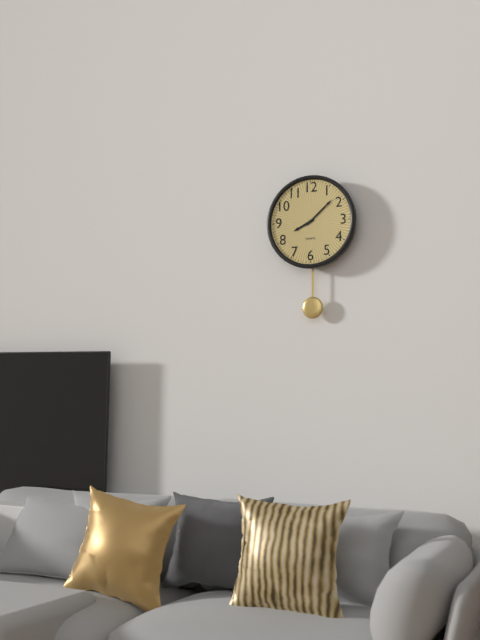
8:08
